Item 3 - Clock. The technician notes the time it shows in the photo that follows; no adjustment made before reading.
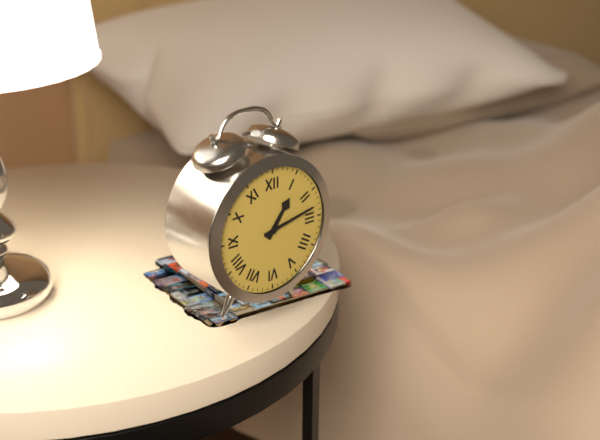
1:13
